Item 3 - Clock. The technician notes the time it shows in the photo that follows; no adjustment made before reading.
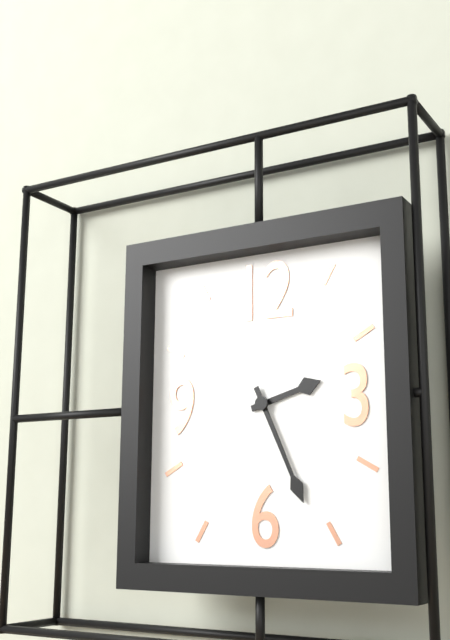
2:26
